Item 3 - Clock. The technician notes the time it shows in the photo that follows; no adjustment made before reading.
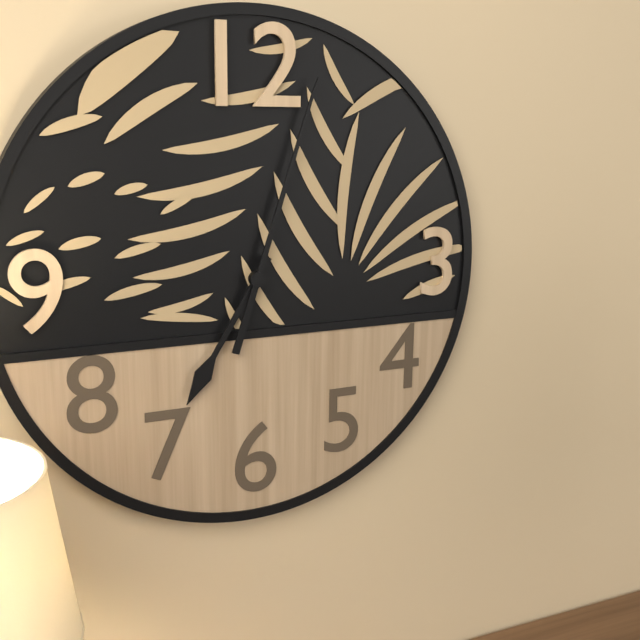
7:03
